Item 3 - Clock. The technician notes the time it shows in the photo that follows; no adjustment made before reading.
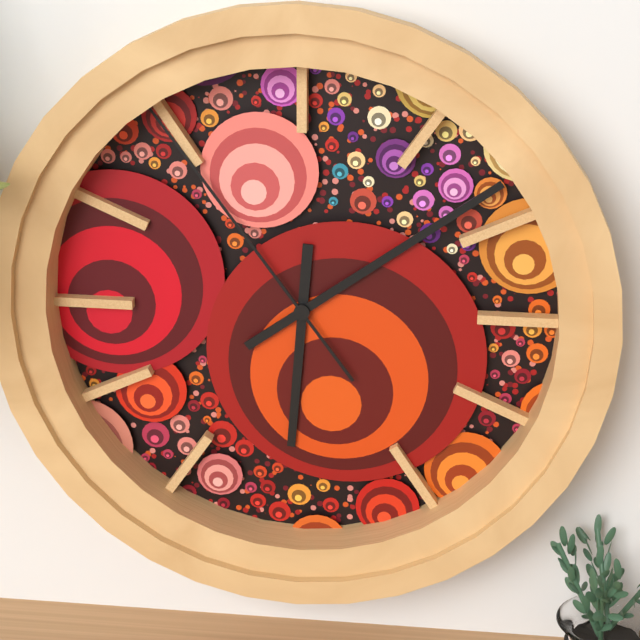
6:09:54
